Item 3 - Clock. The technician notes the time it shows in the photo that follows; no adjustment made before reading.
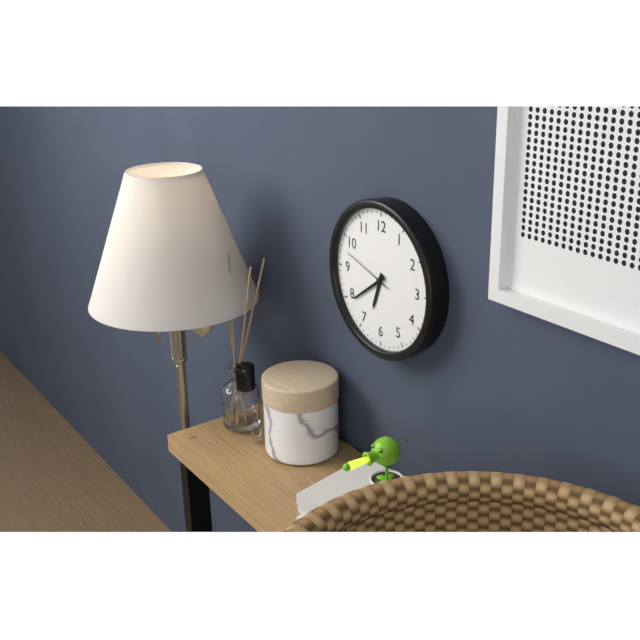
6:39:48
